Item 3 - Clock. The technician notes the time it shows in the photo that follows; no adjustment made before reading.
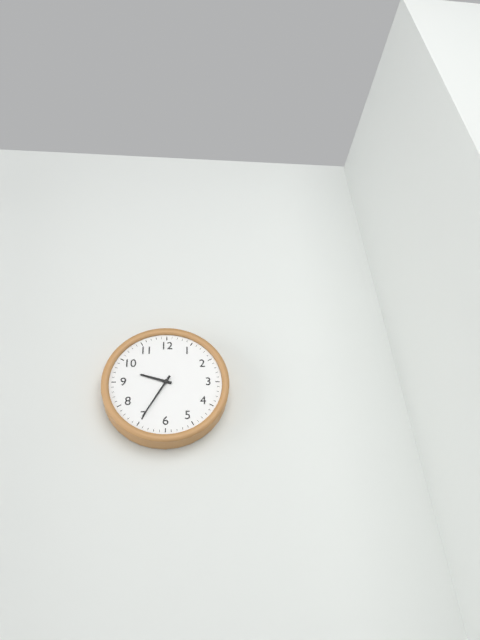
9:35
